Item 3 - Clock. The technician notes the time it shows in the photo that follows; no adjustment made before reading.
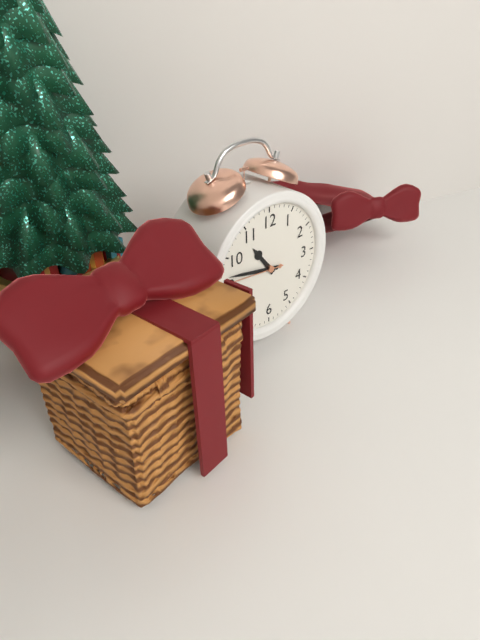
10:47:46
